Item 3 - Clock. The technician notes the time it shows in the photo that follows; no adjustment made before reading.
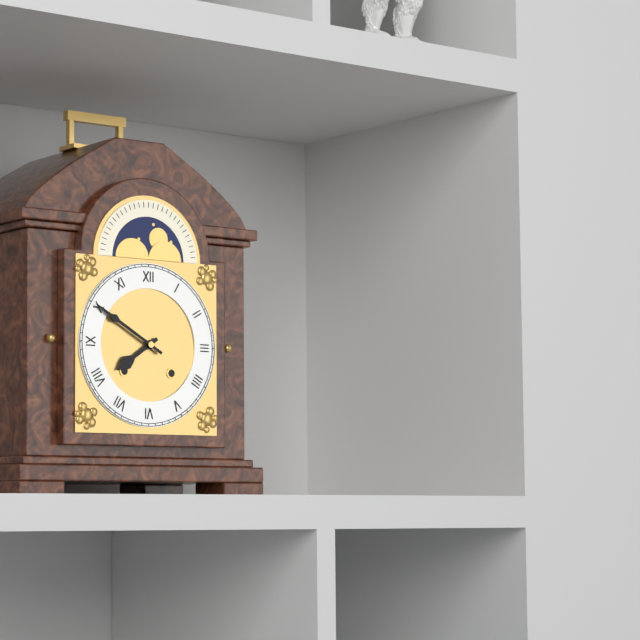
7:50
